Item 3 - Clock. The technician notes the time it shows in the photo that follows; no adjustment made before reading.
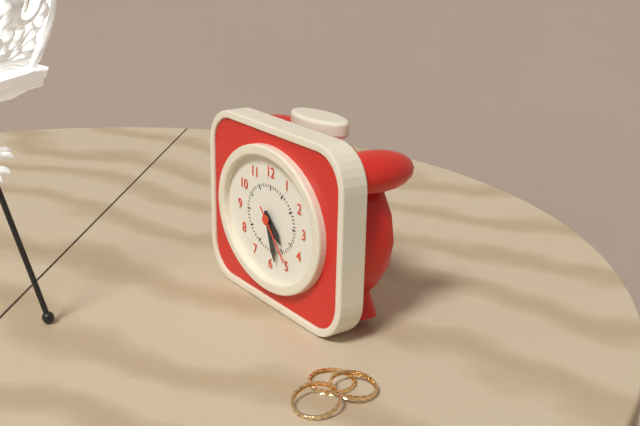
4:27:23
